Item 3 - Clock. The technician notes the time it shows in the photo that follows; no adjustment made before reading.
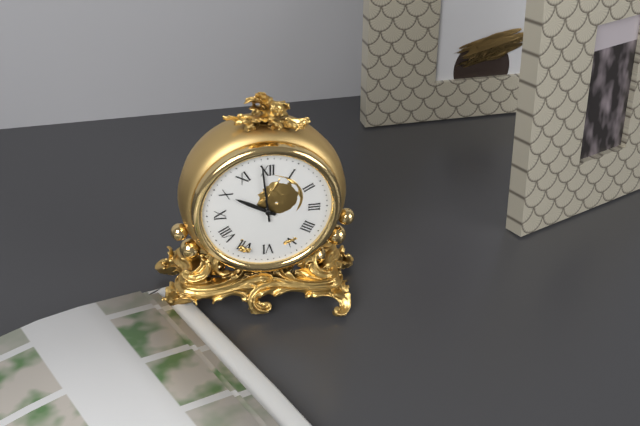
9:59
